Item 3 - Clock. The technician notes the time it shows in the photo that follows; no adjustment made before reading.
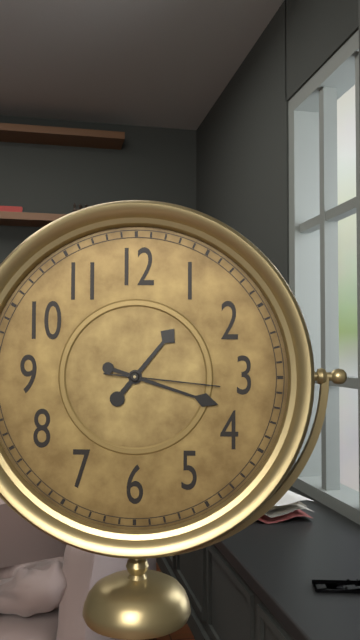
1:18:16
